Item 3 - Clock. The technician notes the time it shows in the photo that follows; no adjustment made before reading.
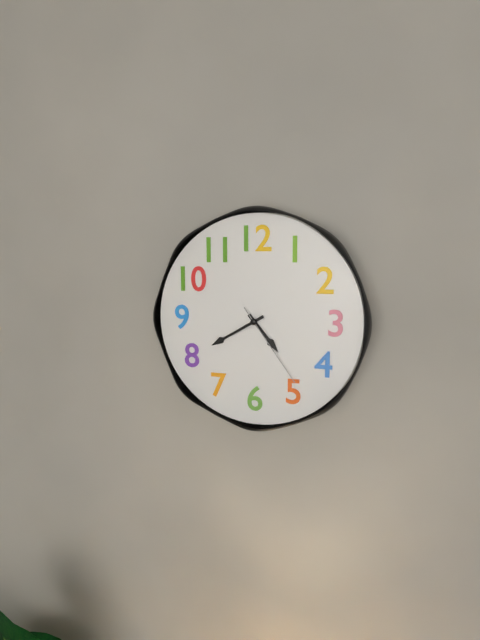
4:40:24
